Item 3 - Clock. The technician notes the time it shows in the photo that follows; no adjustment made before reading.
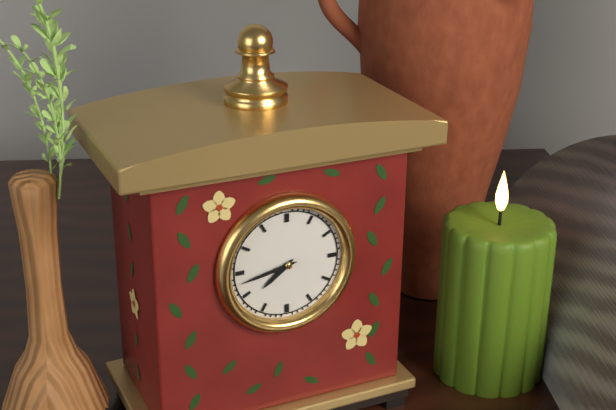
7:43
